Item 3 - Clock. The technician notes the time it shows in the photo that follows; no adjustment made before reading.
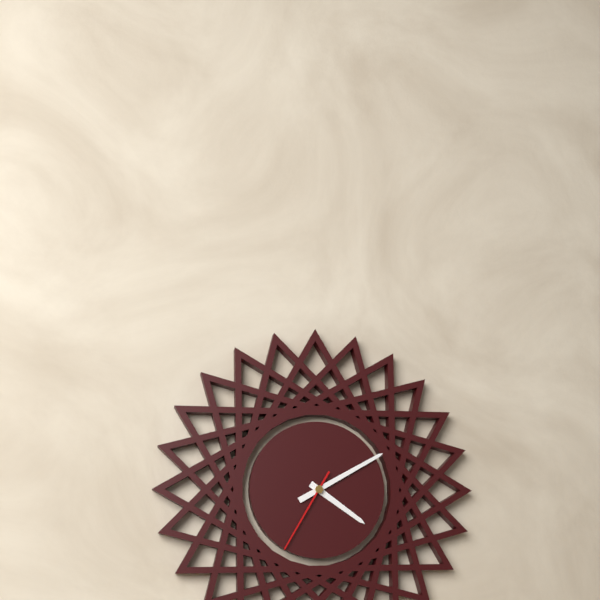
4:10:35
